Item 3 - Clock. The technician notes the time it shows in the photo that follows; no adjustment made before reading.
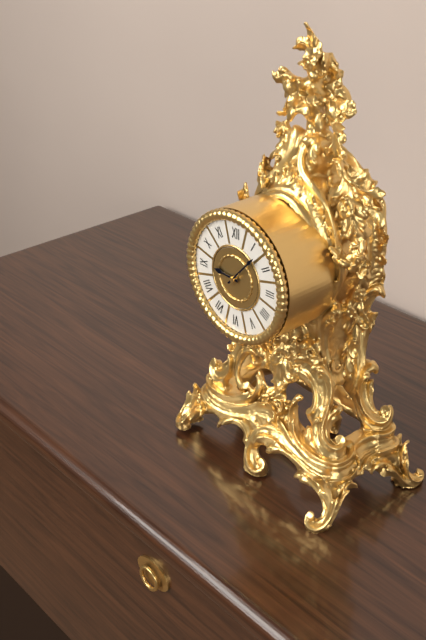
9:07
